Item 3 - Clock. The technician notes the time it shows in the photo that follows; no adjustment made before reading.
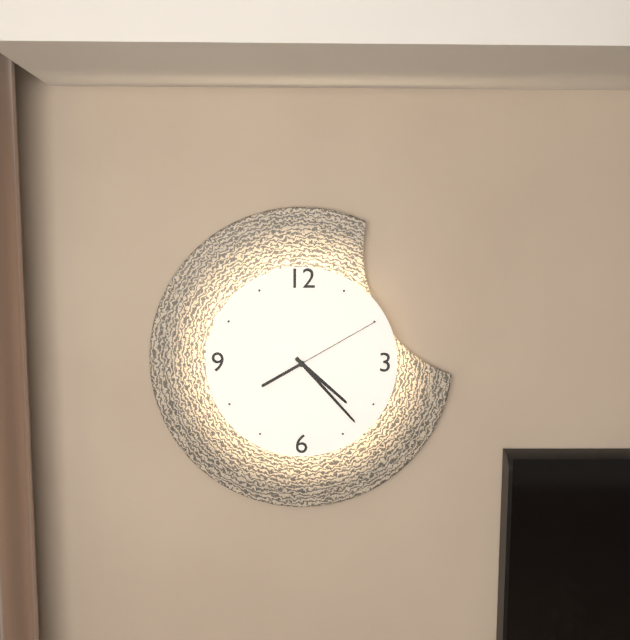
4:23:10
